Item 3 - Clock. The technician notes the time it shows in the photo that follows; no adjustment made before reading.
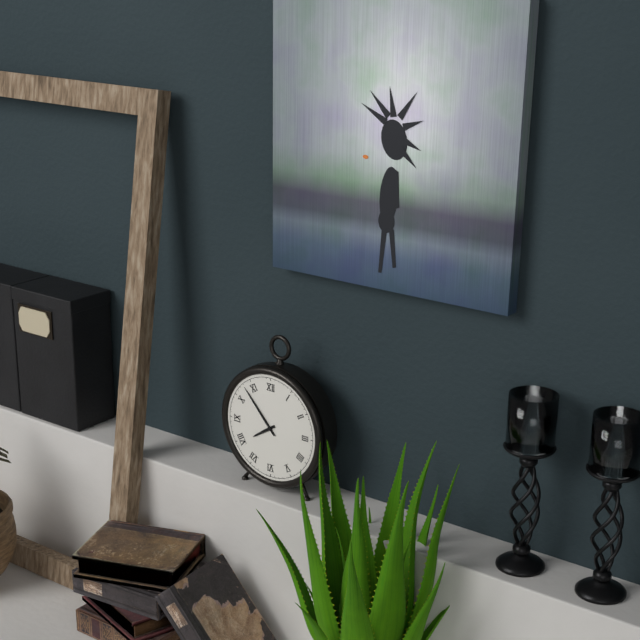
7:53
